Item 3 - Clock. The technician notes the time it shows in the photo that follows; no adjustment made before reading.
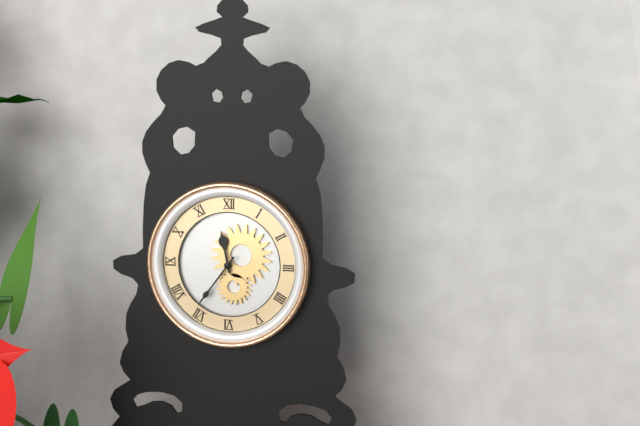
11:36
